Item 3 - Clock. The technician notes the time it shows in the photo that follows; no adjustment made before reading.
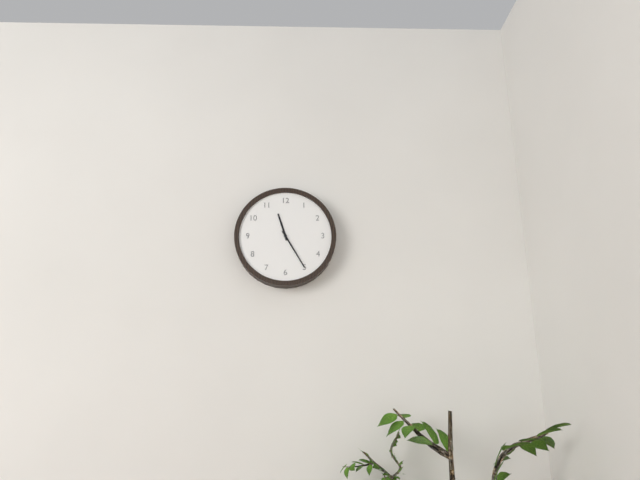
11:25
